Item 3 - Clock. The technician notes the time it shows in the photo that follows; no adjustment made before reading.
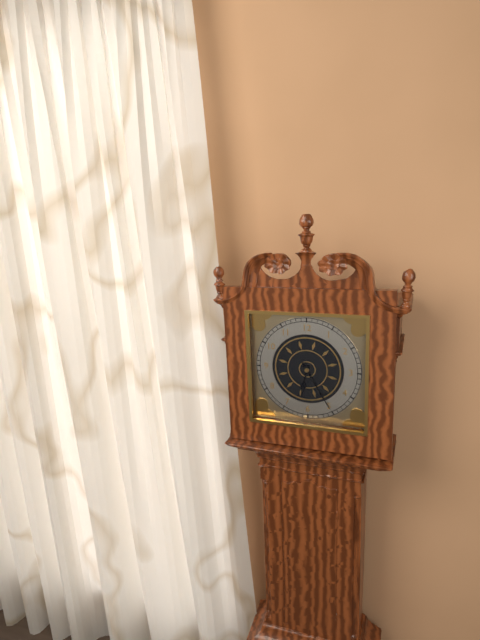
6:25
